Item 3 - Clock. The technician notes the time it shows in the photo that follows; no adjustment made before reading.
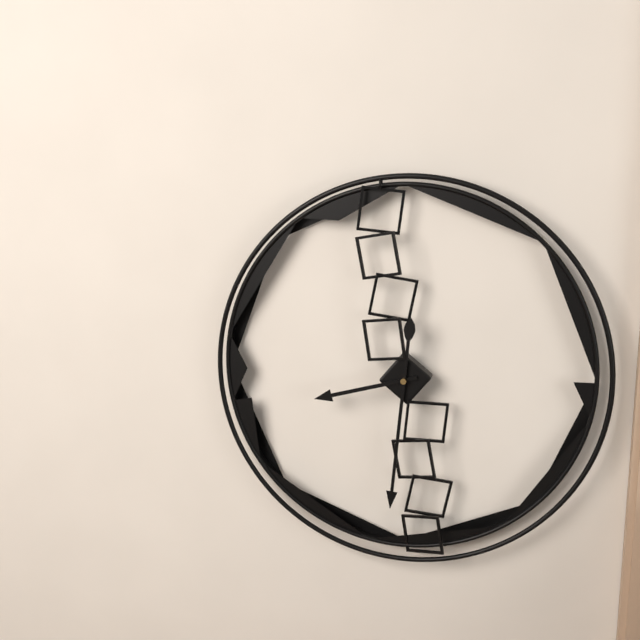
8:31
